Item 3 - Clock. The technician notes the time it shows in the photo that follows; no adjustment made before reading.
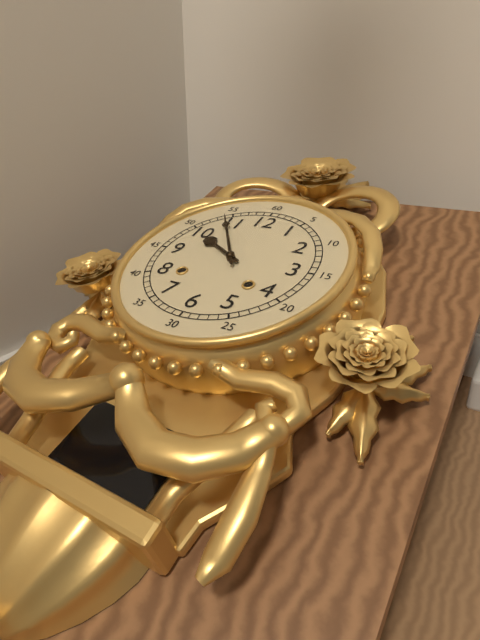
9:54
